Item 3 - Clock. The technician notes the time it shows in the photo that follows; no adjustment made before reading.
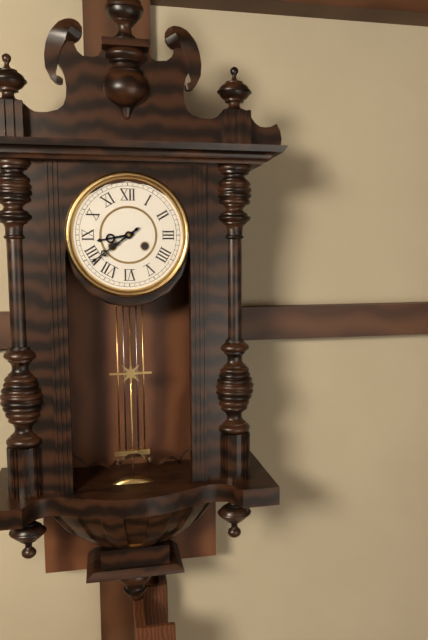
8:39
